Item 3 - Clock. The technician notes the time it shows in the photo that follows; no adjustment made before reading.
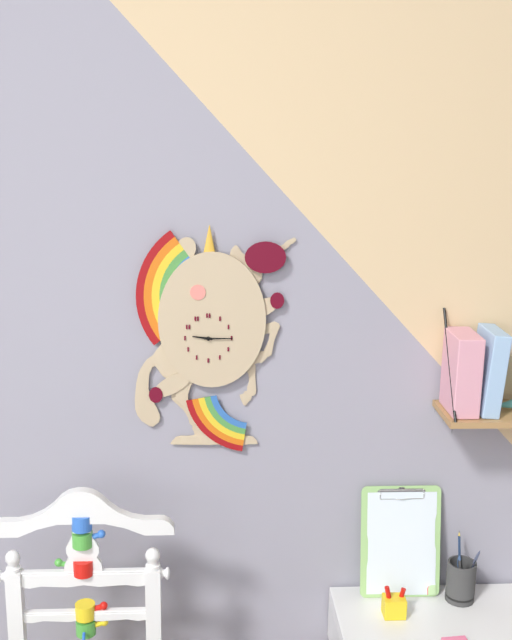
9:15
